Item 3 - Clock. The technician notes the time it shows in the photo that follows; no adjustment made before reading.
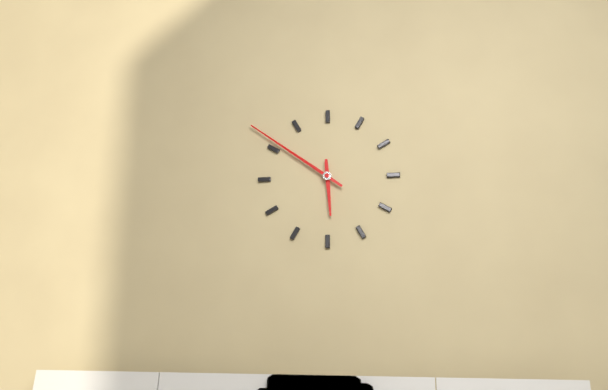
5:51
